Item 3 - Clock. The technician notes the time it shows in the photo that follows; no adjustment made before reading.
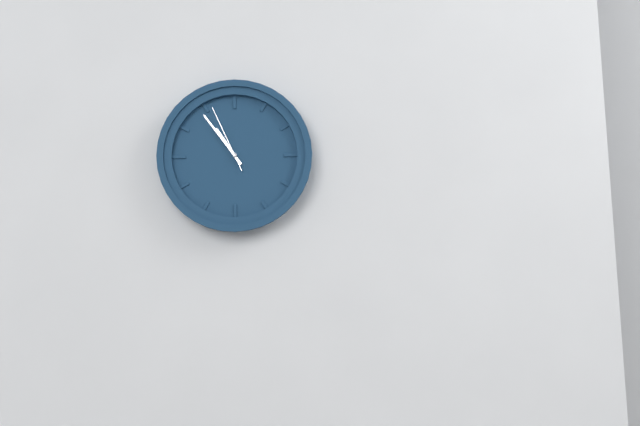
10:54:56
